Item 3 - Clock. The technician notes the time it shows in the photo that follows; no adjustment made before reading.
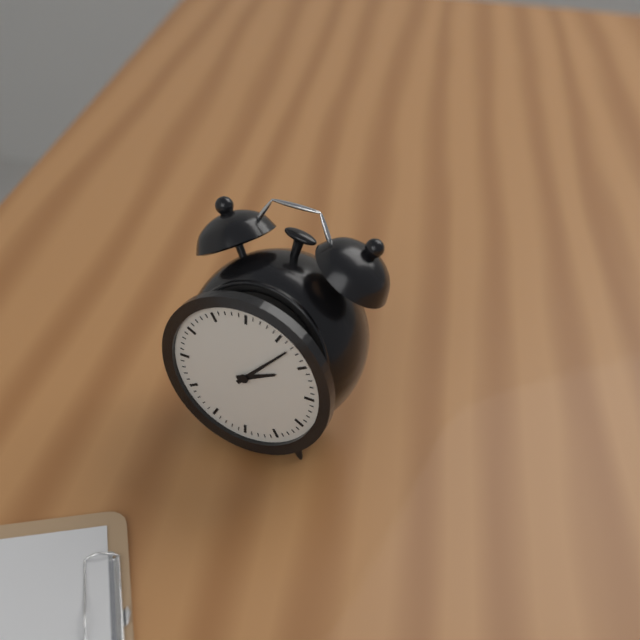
2:07
